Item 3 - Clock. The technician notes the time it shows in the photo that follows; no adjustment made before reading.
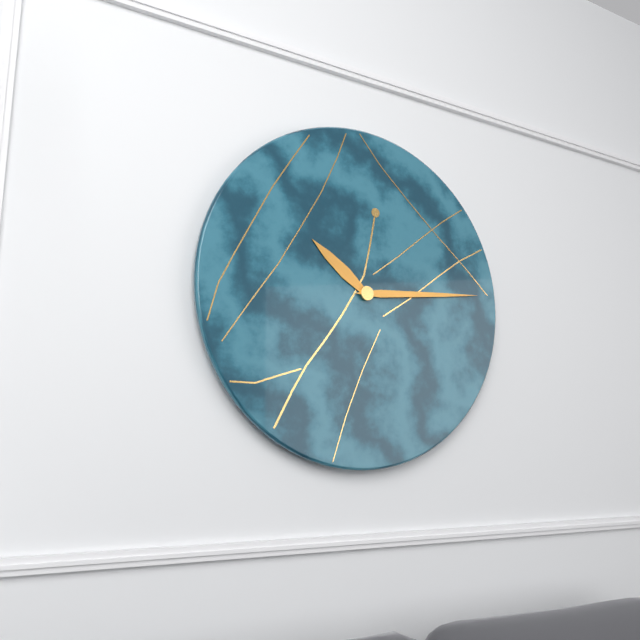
10:14
